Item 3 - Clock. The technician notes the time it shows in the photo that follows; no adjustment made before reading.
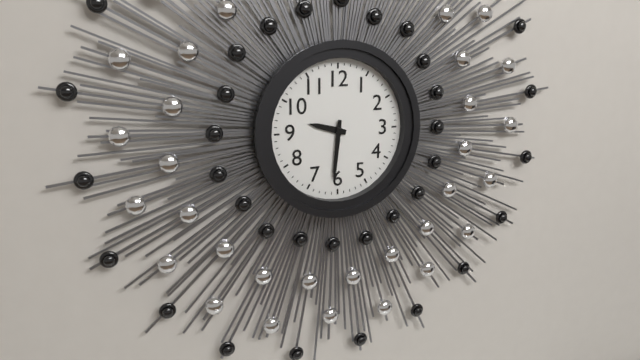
9:31
